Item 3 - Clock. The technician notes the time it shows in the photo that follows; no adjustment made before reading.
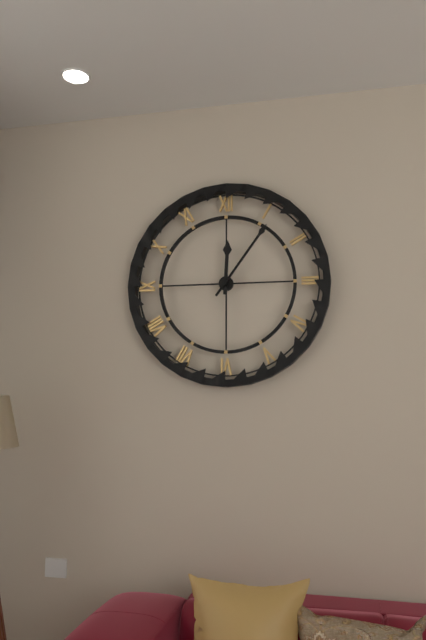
12:06
